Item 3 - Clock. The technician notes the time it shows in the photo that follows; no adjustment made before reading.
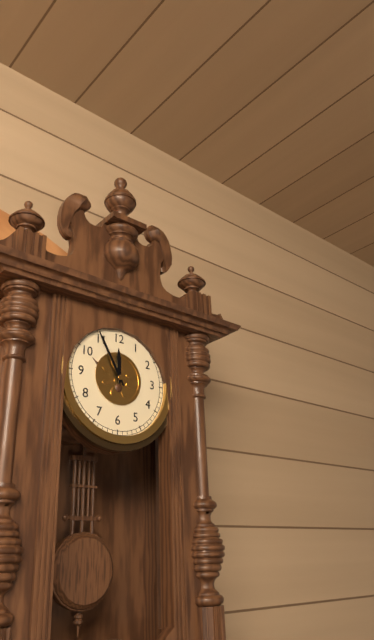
11:55
